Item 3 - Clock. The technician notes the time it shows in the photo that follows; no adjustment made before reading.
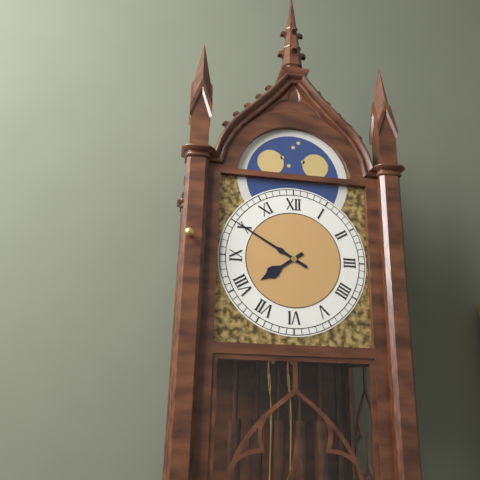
7:50
